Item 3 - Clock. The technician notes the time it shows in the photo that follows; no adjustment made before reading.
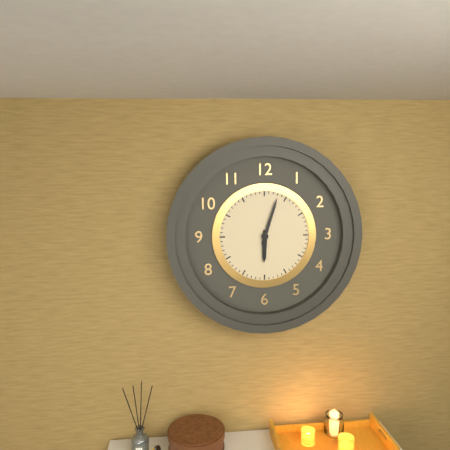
6:03
